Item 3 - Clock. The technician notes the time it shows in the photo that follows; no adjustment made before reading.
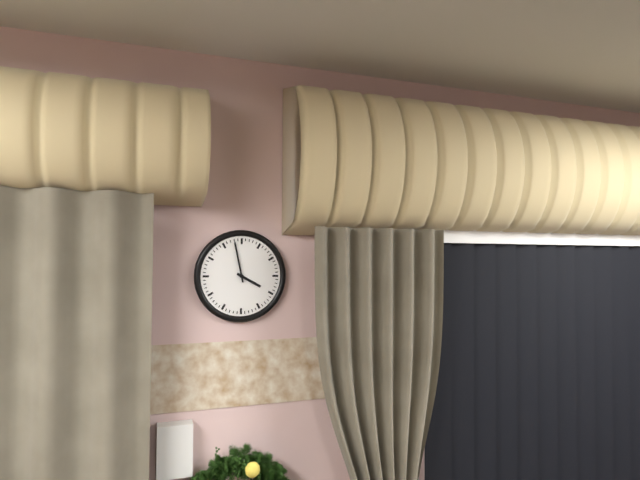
3:58
